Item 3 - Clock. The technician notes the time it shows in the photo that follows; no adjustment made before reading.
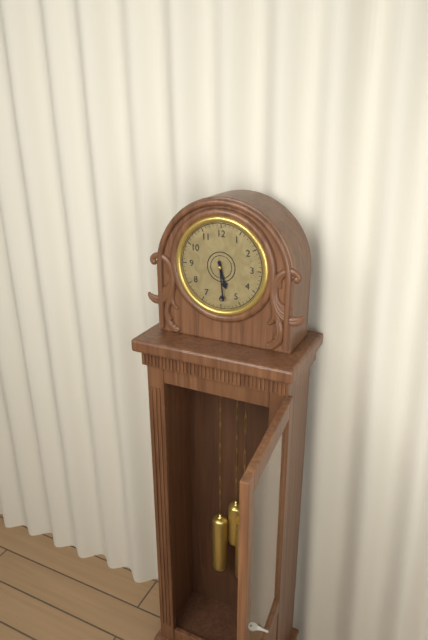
5:29
